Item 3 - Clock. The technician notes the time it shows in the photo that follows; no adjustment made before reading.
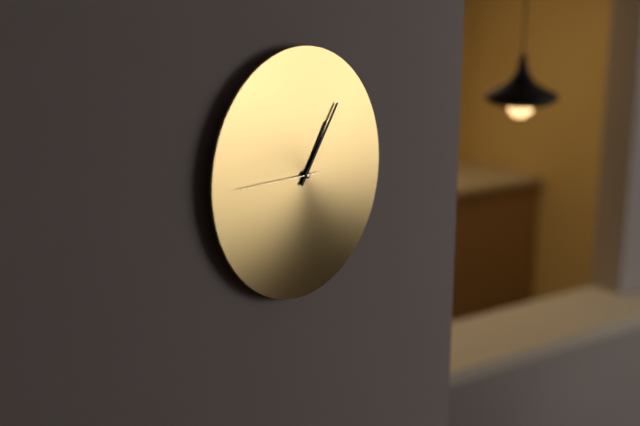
1:06:45
